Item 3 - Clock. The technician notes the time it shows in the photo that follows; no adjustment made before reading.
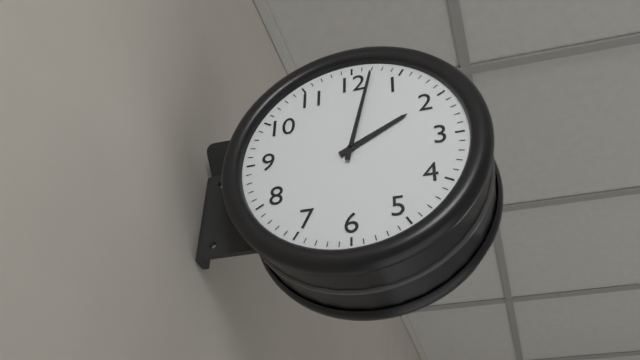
2:02
